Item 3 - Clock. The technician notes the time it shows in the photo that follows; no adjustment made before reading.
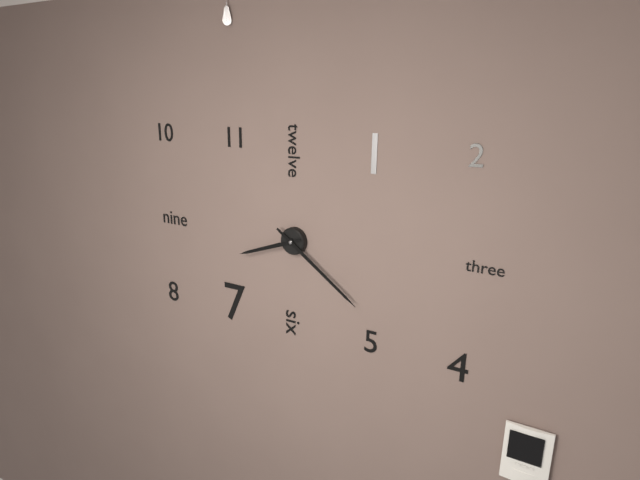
8:21
